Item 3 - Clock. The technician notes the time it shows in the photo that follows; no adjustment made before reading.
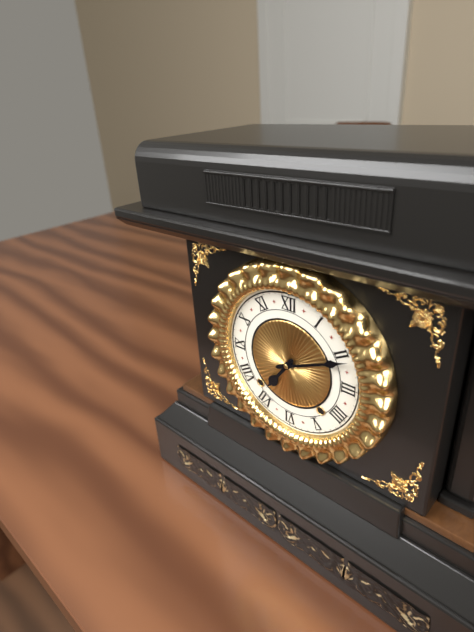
7:11
